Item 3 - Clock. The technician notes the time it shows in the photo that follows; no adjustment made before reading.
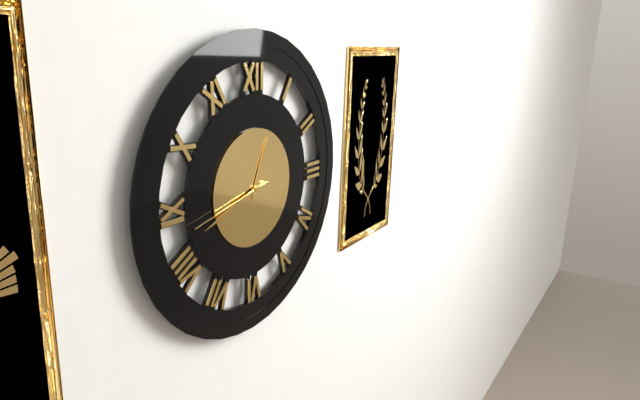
12:42:43
